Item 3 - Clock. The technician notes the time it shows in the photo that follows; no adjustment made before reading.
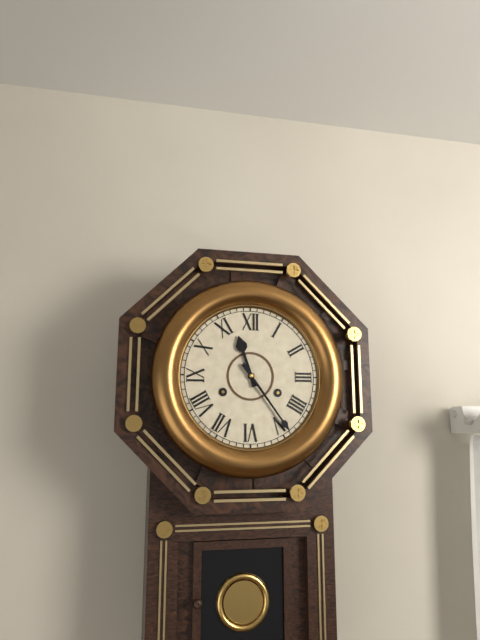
11:24
